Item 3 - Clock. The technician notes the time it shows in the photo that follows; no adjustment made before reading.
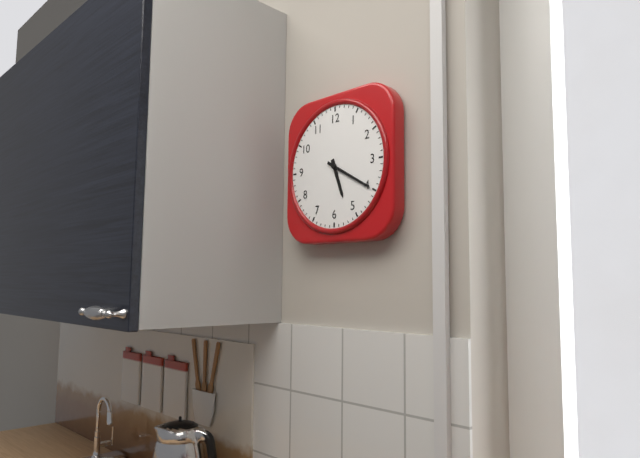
5:20
